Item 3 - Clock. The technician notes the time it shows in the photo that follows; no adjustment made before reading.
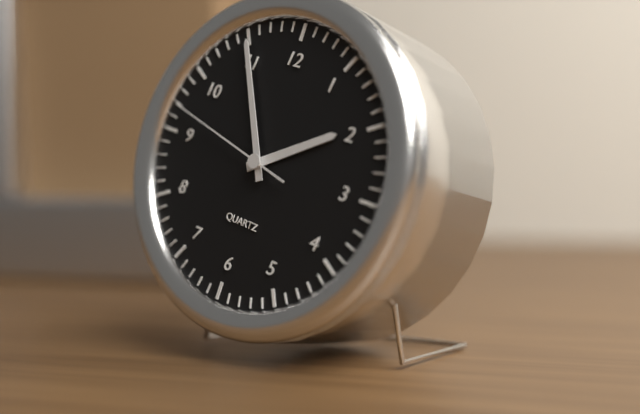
1:55:47
